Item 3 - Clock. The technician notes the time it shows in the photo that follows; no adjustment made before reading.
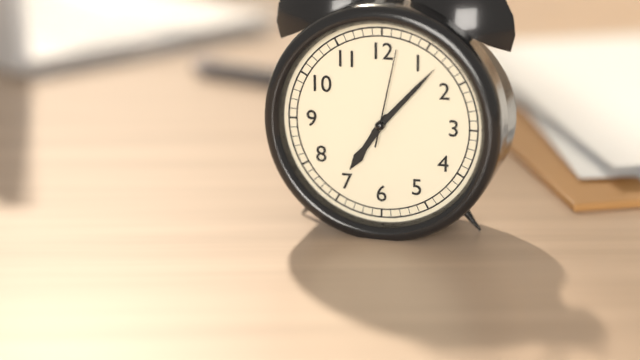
7:07:02
